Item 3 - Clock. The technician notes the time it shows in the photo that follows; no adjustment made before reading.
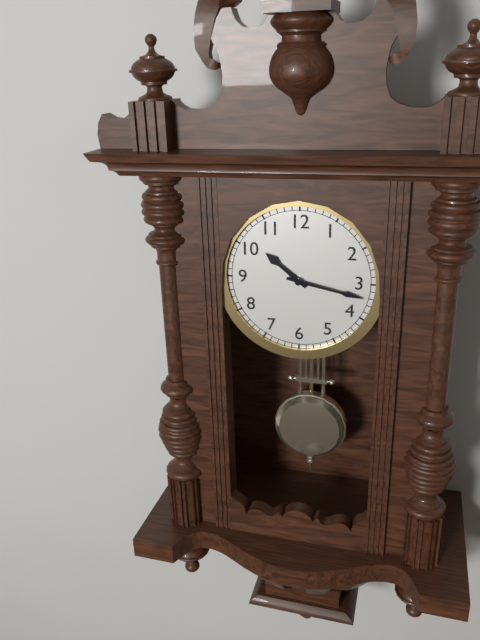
10:17
